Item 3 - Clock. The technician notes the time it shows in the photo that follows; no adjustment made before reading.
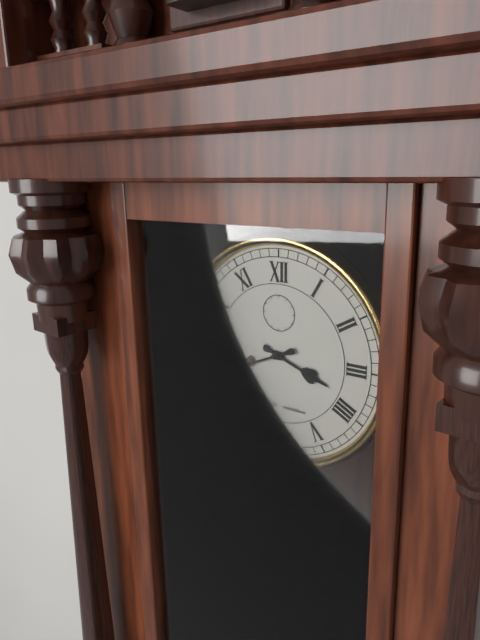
3:41
